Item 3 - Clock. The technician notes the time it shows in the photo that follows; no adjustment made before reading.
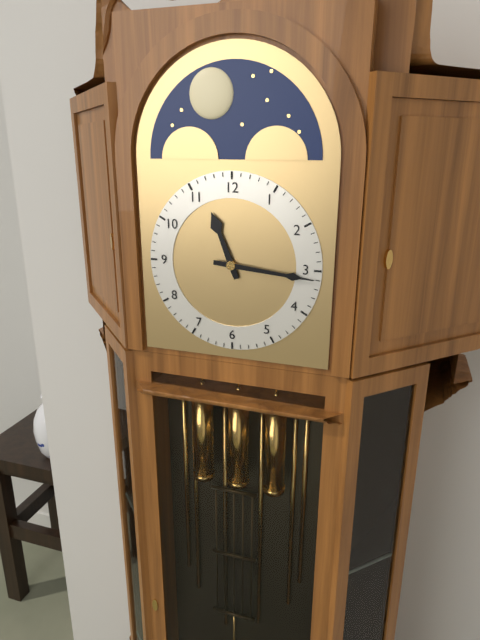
11:16
